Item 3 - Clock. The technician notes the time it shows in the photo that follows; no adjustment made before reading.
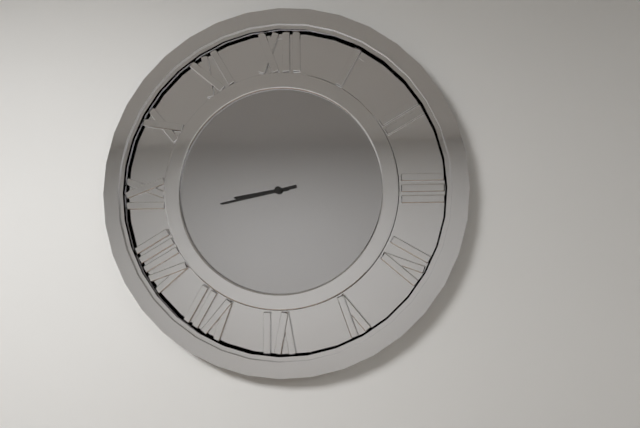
8:43
